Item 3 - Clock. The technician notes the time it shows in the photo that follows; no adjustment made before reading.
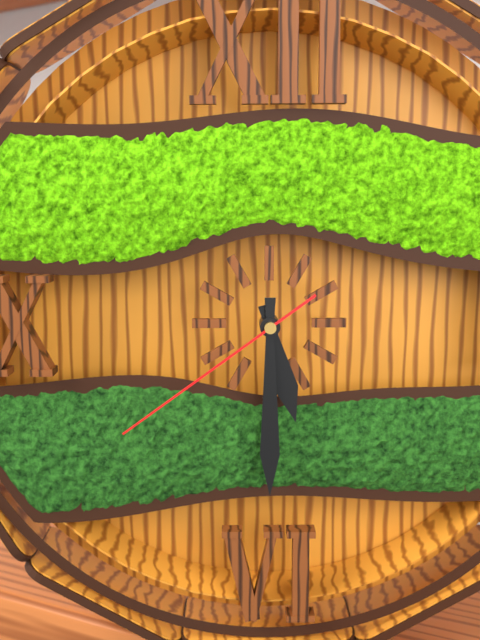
5:30:39
